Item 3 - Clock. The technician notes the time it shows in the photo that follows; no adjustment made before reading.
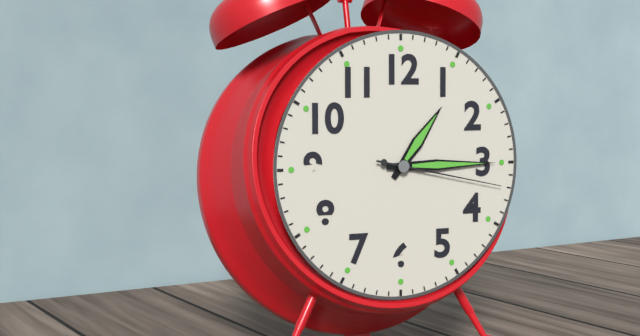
1:15:17
